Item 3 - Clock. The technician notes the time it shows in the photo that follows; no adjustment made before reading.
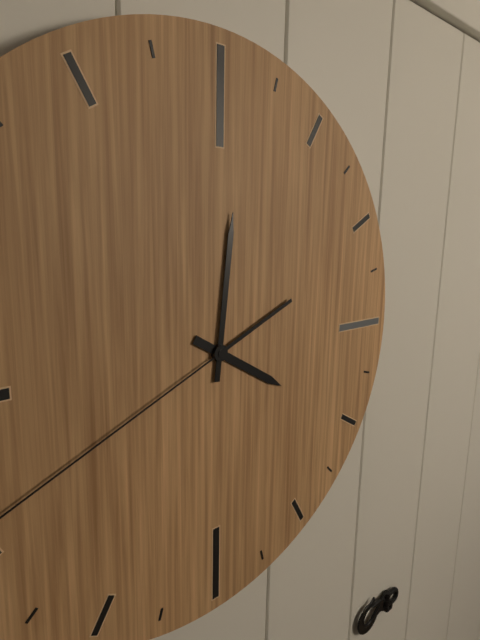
4:01
